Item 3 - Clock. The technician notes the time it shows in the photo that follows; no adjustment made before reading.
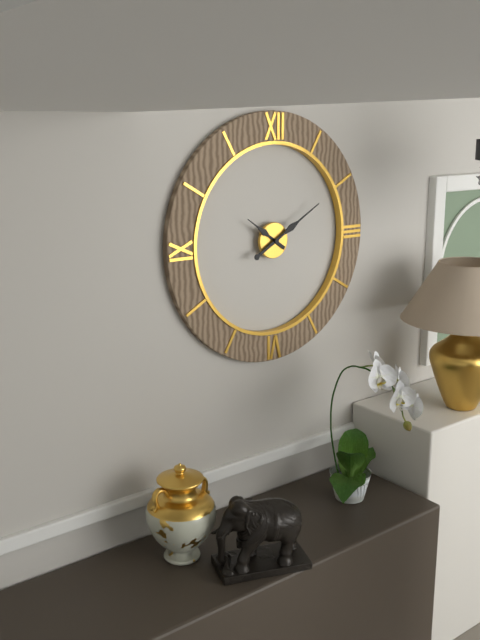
10:10
